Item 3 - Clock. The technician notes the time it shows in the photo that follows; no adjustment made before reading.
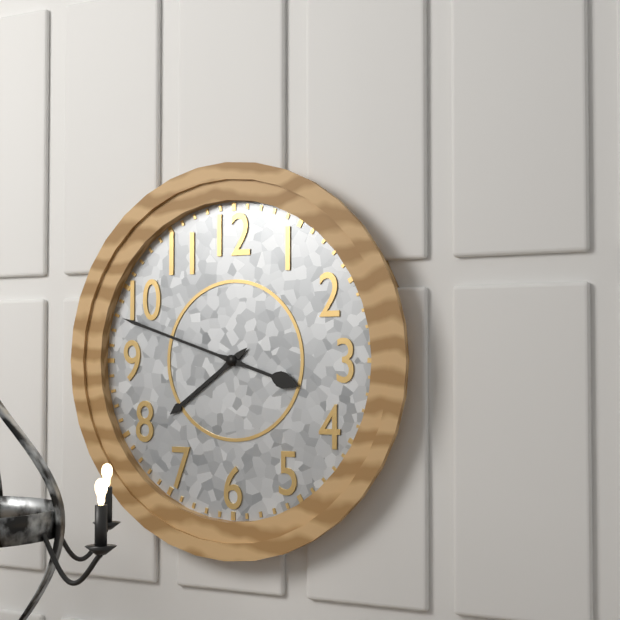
7:48
